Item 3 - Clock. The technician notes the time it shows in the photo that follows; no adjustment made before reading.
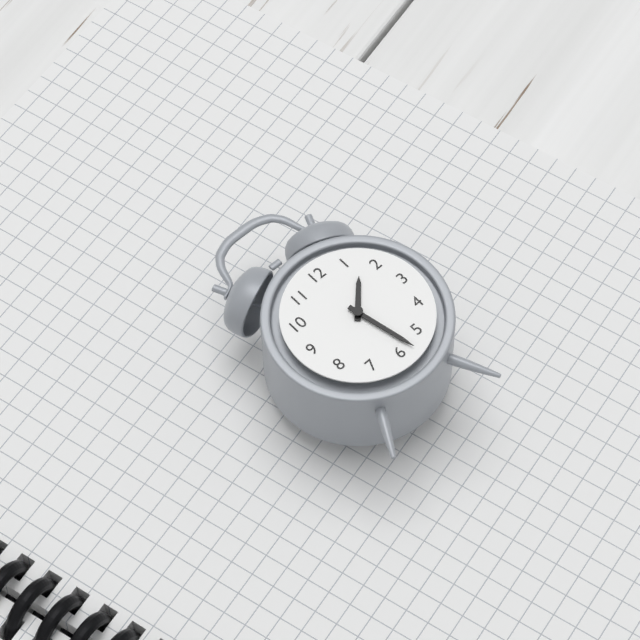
1:28
